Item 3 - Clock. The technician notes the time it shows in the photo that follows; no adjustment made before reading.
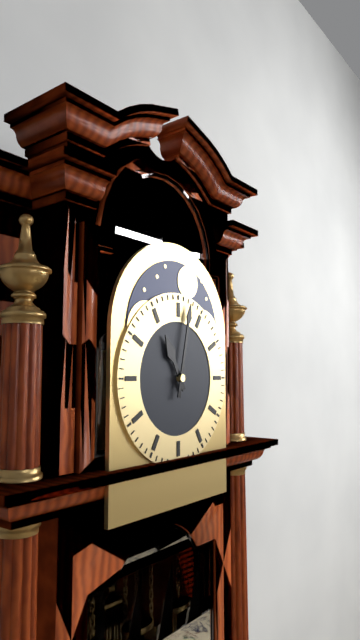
11:02
